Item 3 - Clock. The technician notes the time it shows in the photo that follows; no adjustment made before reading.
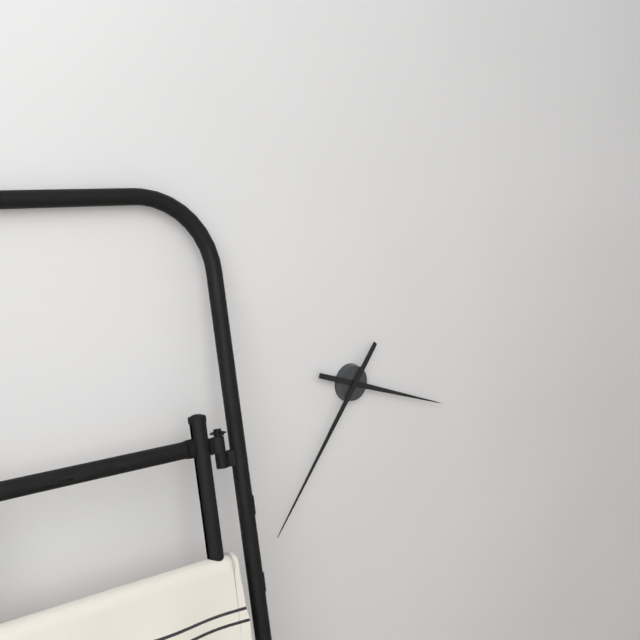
3:36
